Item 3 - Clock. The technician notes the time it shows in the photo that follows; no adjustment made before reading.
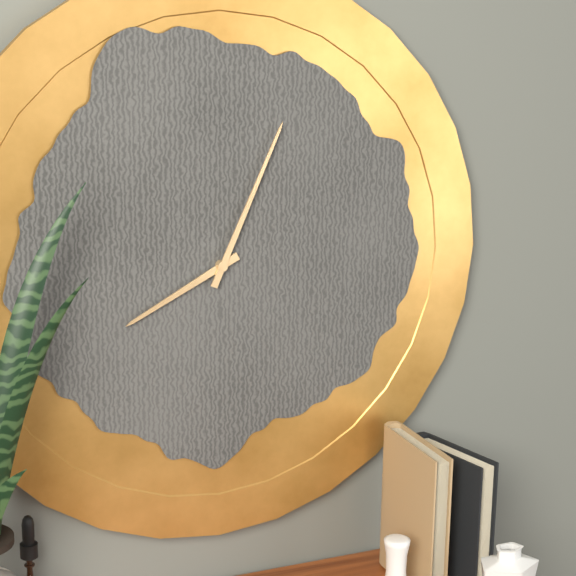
8:04
